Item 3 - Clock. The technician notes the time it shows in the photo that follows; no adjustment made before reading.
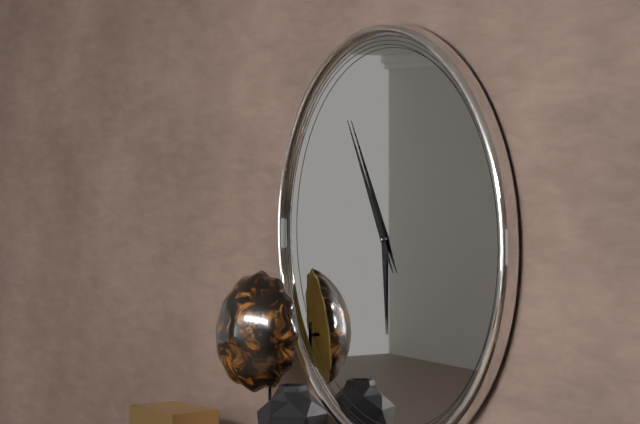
5:55
